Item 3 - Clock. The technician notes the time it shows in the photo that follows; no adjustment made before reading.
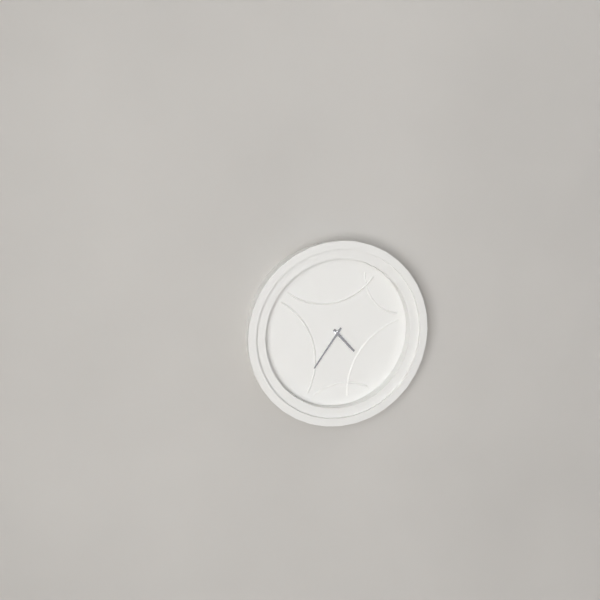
4:36
